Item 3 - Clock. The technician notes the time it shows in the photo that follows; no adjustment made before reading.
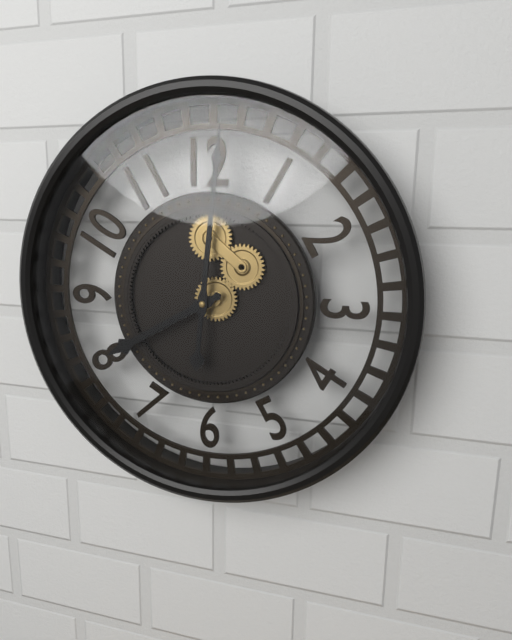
8:01
